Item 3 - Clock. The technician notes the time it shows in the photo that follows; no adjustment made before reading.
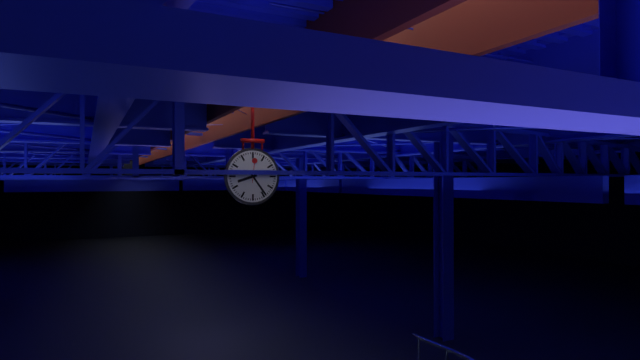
8:24
